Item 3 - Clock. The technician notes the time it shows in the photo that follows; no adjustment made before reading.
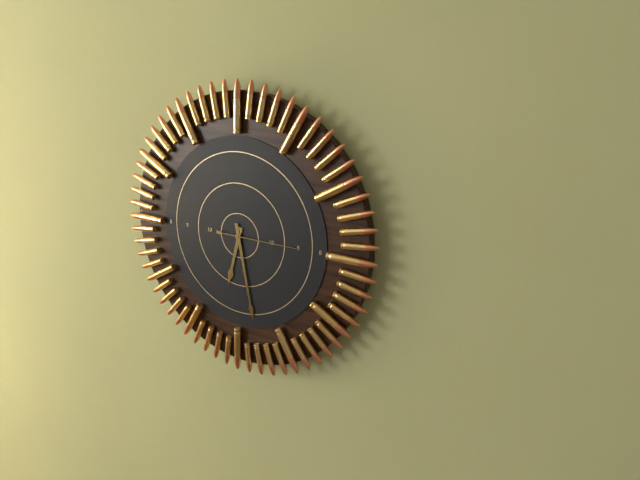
6:28:15
